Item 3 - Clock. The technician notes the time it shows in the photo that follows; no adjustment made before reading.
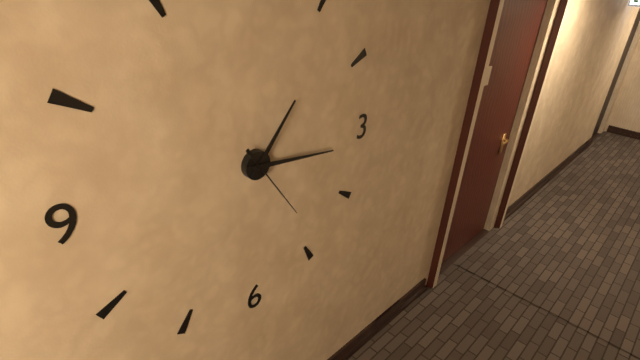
1:16:24
